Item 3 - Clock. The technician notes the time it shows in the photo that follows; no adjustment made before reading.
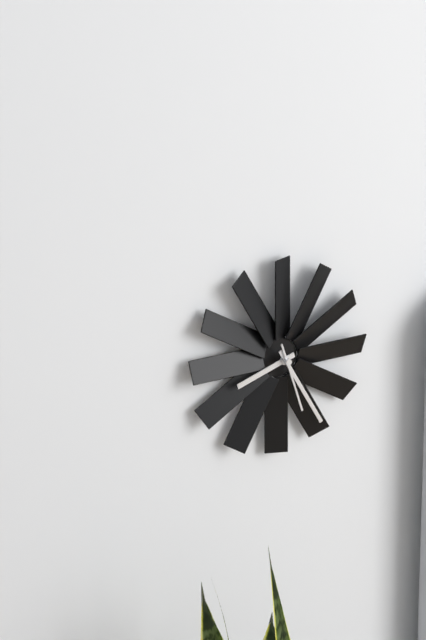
8:25:27
